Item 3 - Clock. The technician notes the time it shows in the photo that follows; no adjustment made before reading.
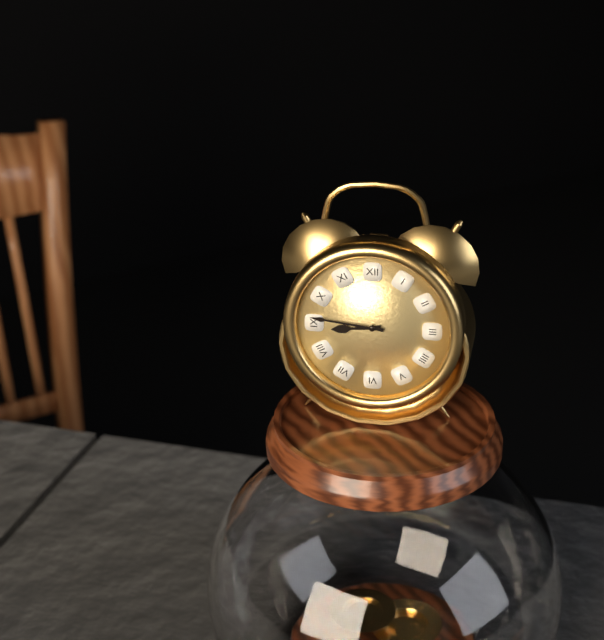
8:46
